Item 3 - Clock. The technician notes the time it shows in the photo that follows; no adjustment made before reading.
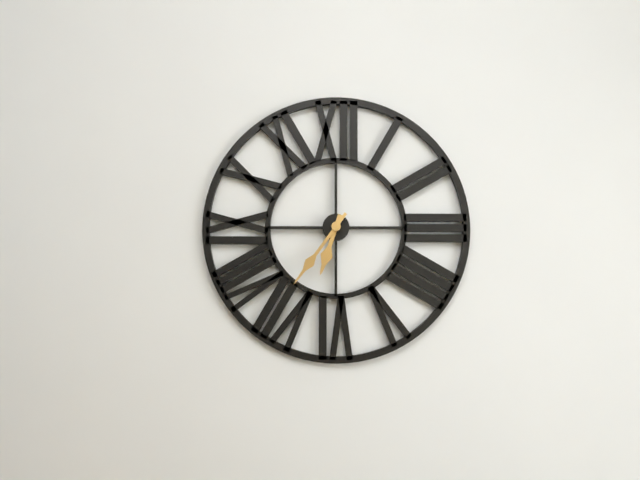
6:36
